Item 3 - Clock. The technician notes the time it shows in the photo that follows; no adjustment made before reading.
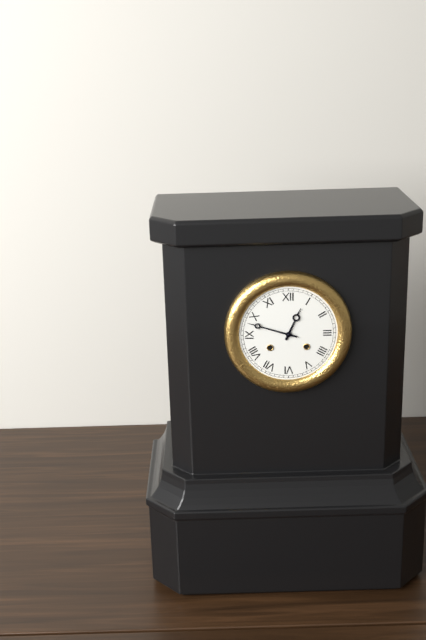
12:48
